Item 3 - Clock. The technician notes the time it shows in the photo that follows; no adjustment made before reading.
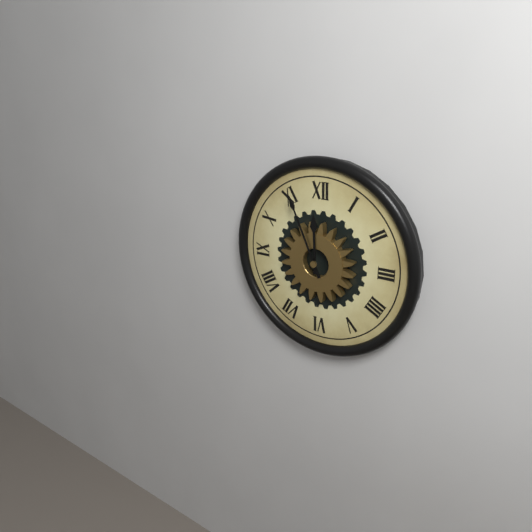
11:56
